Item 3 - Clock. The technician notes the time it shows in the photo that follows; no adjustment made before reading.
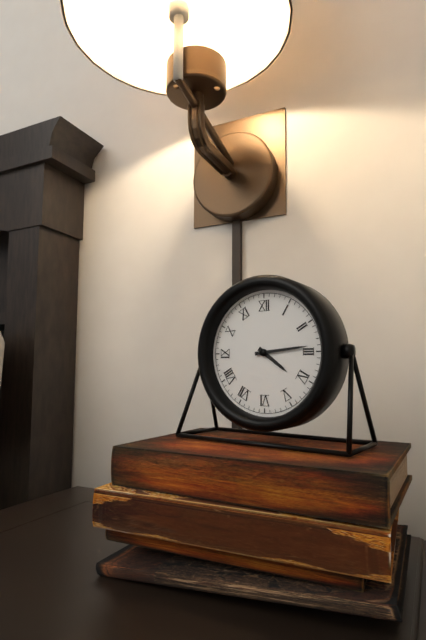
4:14
